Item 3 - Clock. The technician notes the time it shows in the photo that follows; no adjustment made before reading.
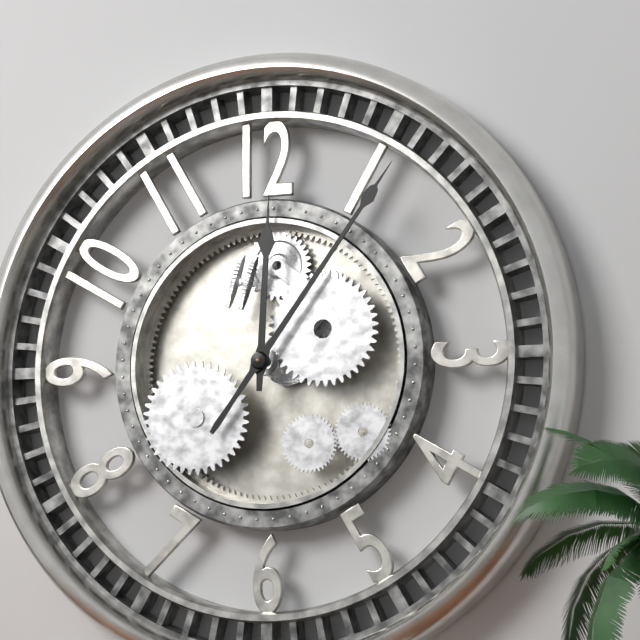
12:06
